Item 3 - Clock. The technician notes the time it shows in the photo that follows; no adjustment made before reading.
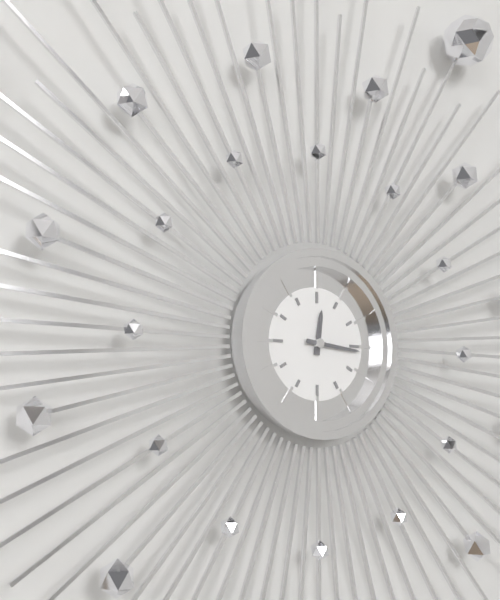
12:16
